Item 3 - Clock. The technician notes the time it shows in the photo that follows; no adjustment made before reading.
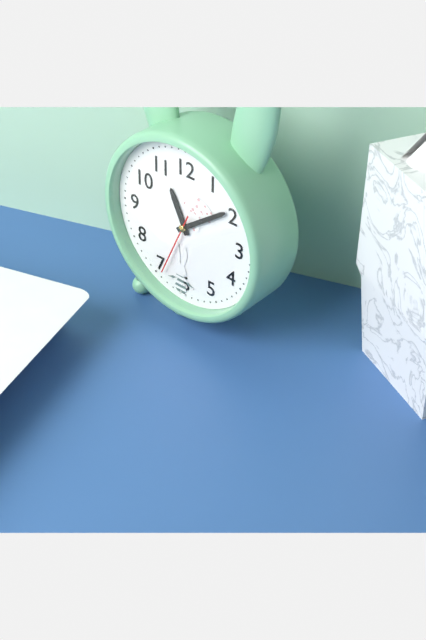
11:09:34
